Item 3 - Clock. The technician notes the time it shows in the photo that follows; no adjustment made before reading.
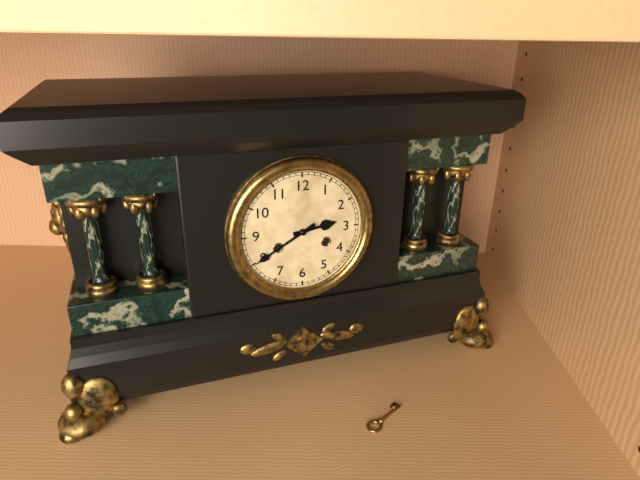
2:40
